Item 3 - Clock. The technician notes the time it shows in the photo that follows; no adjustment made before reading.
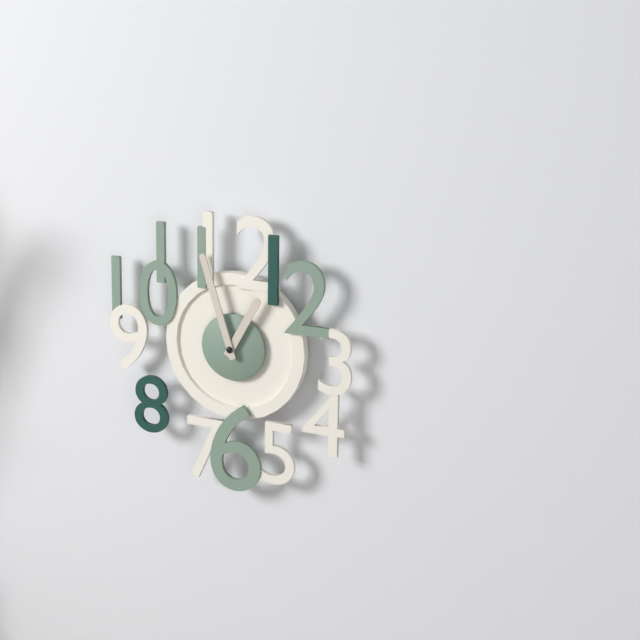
12:57
